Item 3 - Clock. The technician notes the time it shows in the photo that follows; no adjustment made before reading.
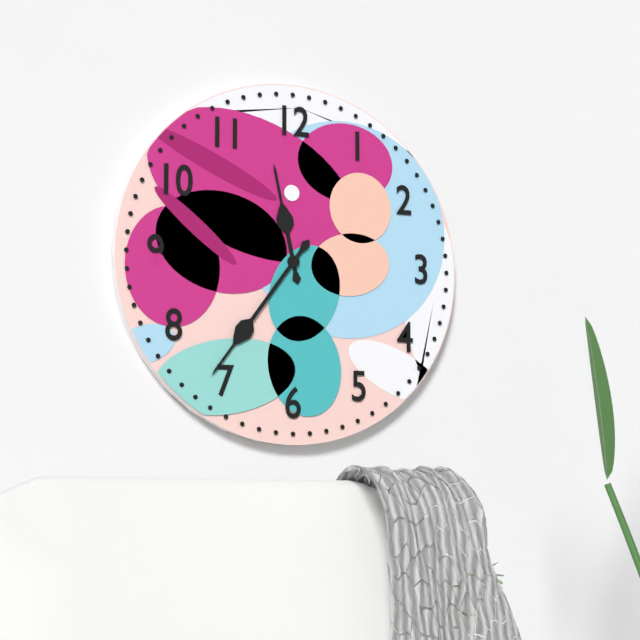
11:36
